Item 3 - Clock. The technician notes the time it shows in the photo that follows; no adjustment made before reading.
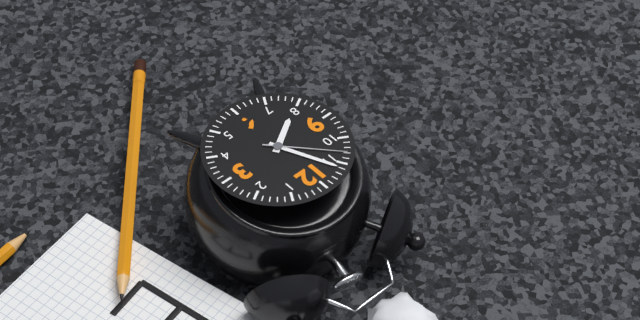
7:56:53
